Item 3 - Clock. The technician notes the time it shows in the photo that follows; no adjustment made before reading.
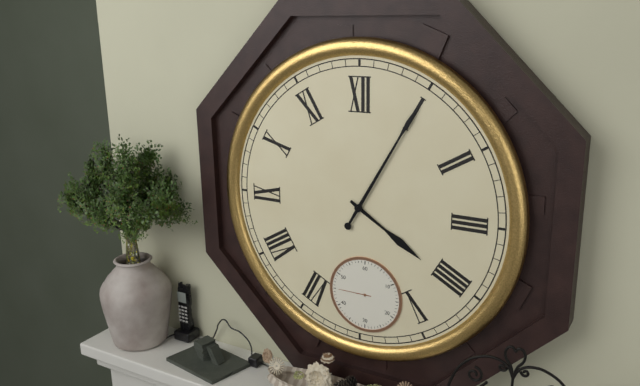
4:05
